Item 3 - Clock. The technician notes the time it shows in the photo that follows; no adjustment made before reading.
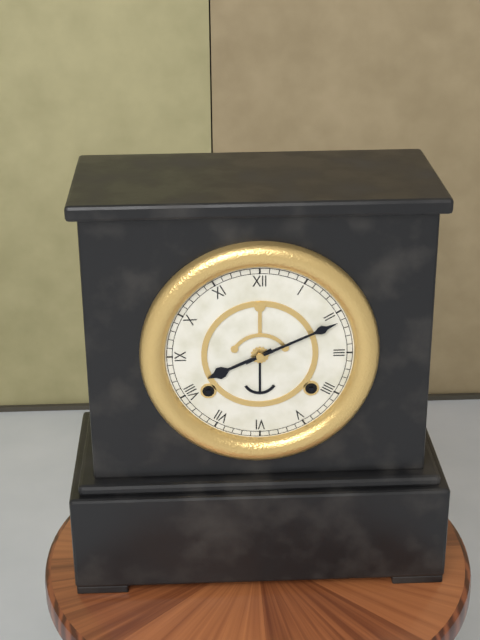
8:11
